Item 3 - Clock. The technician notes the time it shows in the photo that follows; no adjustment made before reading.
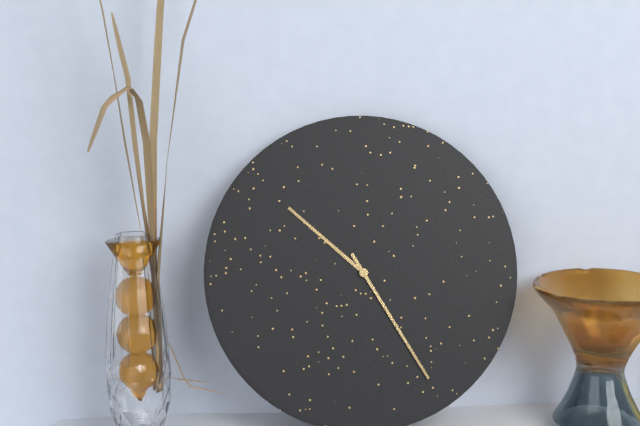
10:25
